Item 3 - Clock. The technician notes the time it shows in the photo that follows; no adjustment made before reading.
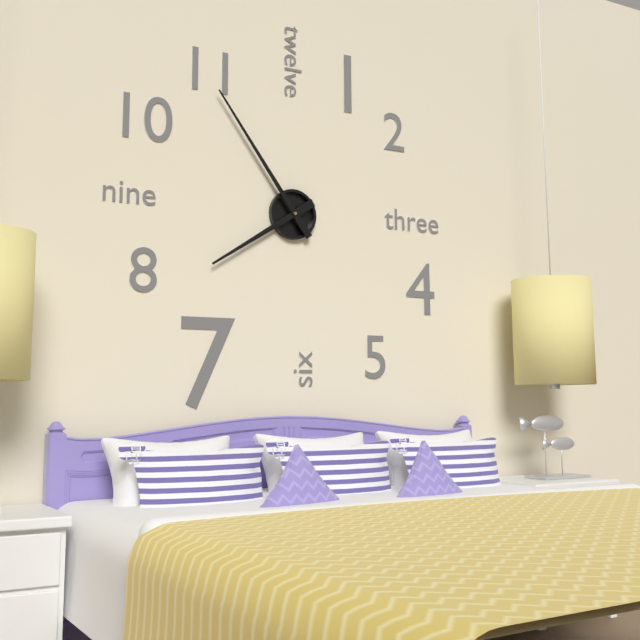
7:54
